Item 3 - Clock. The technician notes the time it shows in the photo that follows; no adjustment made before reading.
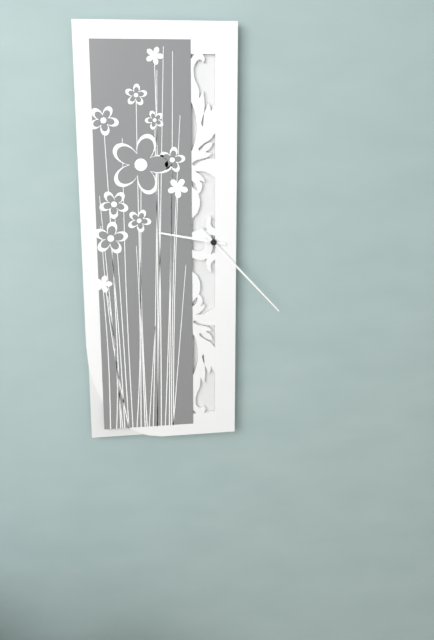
9:23
